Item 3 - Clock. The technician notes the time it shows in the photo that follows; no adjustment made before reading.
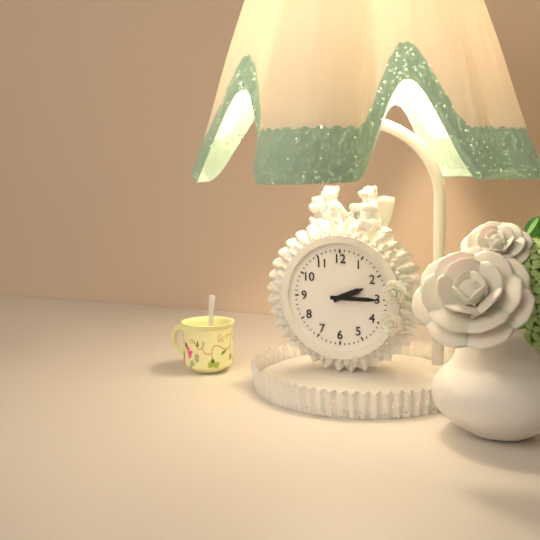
2:15
